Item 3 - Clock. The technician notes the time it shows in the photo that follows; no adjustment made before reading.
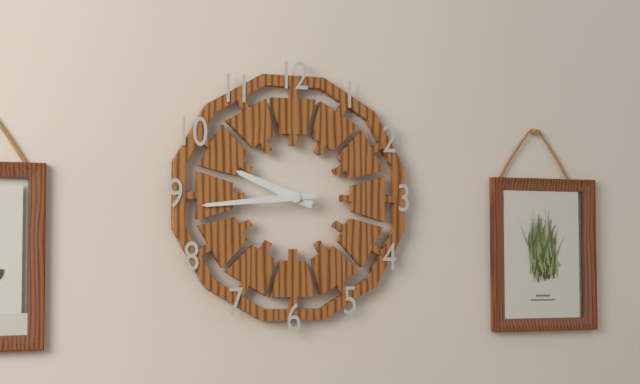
9:44
